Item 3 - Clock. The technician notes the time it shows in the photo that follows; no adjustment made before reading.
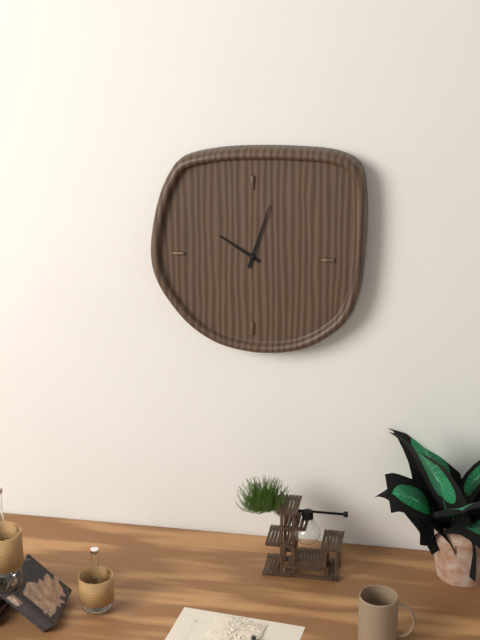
10:03
